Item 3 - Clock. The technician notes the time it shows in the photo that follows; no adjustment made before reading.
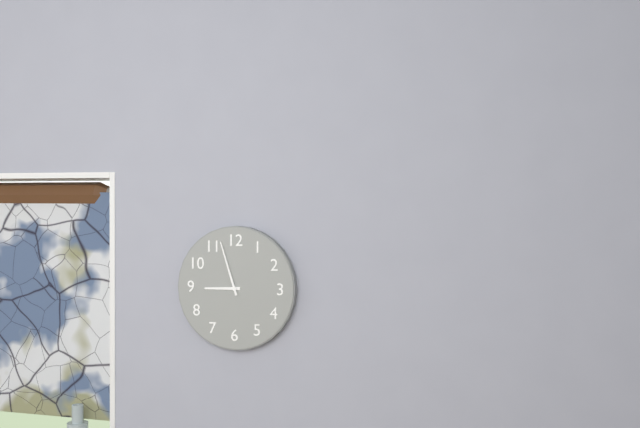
8:57
